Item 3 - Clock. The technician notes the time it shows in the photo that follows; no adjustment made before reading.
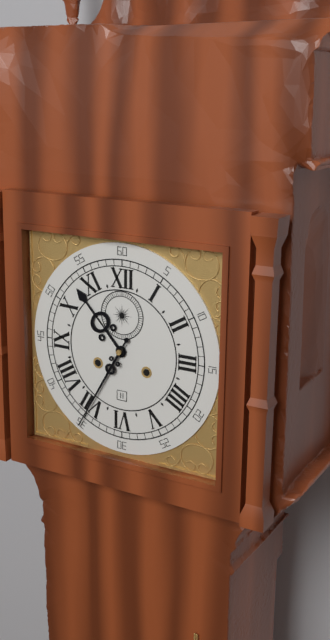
10:35
